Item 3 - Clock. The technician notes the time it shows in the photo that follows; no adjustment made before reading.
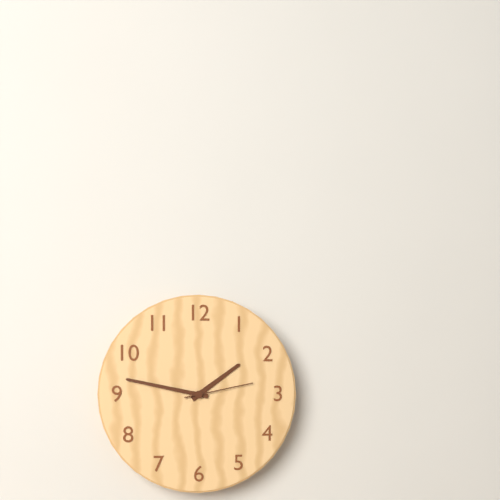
1:47:13
